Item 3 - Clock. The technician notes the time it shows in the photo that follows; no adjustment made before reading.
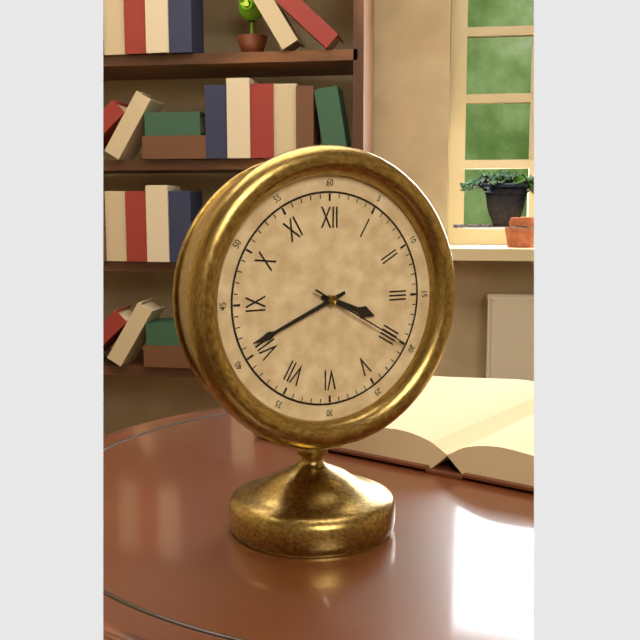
3:41:20
